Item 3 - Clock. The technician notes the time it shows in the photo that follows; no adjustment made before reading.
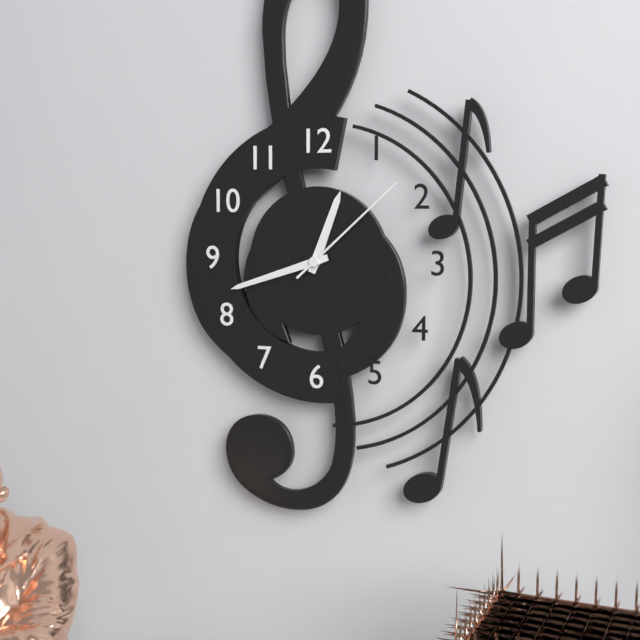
12:42:08
